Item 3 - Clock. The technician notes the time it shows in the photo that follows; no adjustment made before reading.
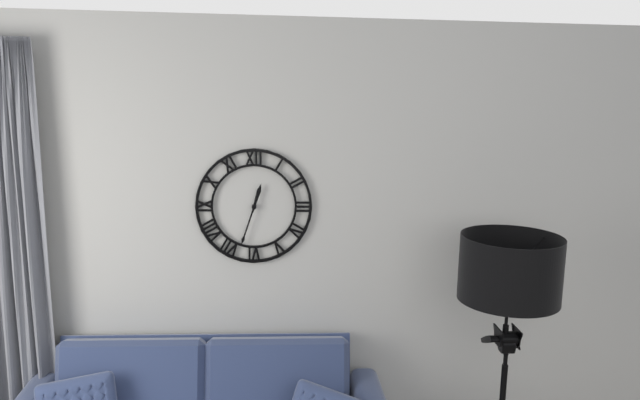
12:33
